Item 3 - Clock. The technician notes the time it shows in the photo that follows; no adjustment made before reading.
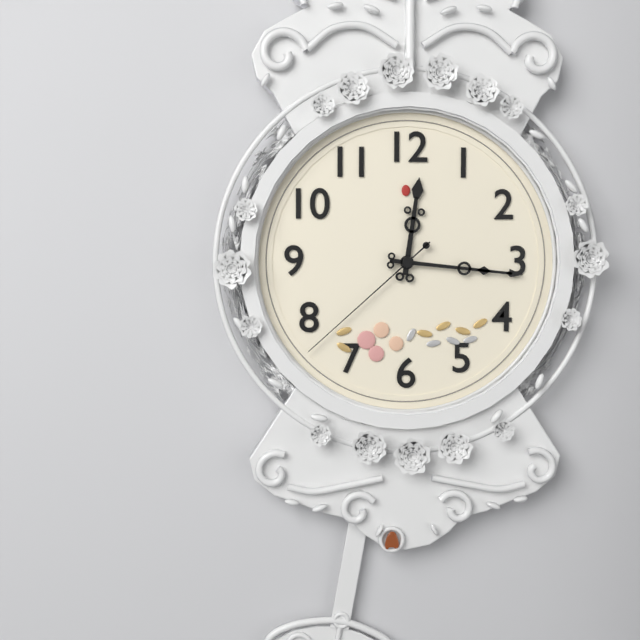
12:16:38
